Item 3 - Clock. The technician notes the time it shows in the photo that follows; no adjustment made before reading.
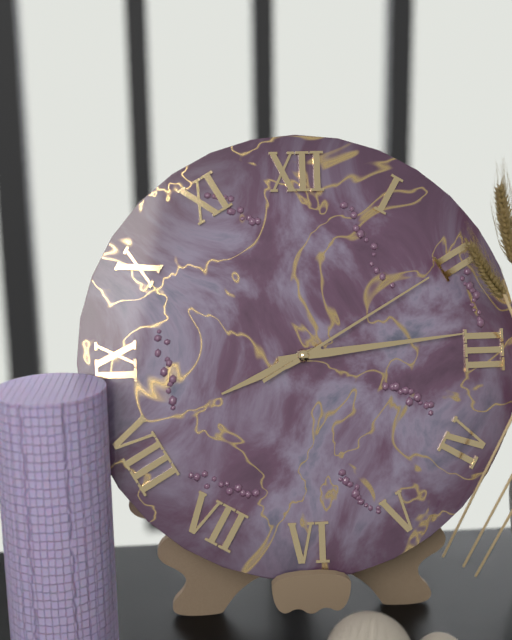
8:14:10
